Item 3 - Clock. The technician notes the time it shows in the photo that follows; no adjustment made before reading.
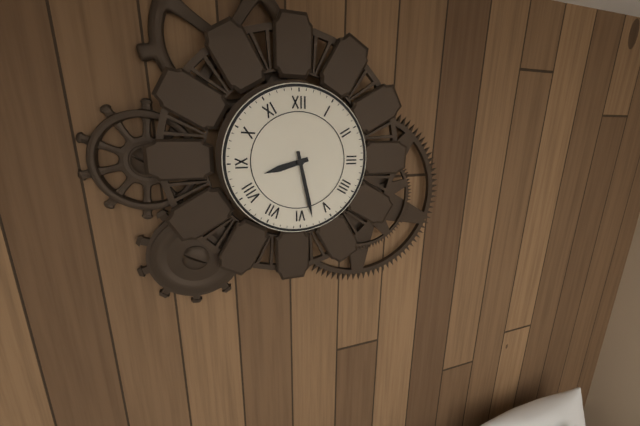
8:28
